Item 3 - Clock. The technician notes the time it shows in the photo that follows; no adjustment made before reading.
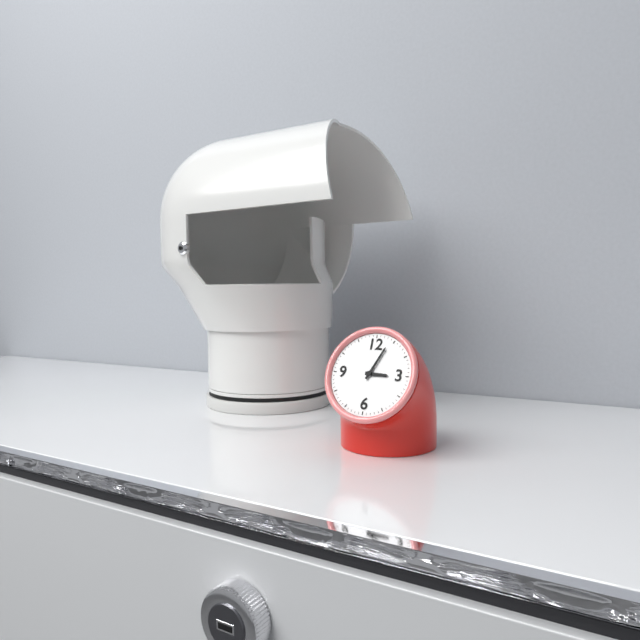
3:04
